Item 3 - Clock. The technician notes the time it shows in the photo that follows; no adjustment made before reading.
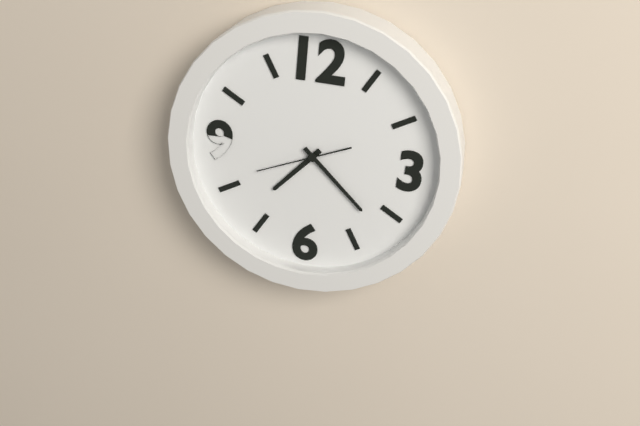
7:22:41
